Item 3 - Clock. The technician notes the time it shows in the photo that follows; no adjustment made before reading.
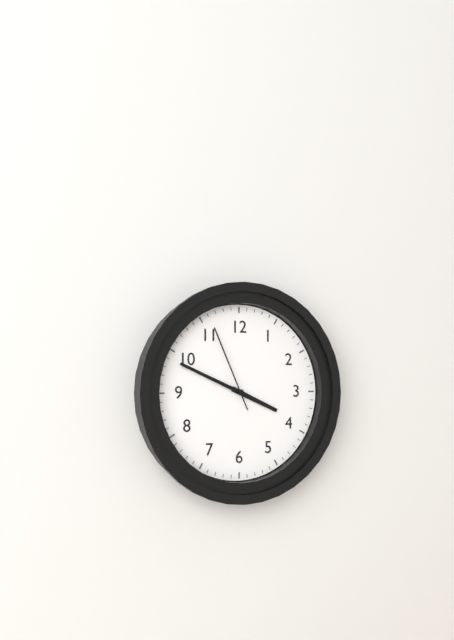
3:49:56
